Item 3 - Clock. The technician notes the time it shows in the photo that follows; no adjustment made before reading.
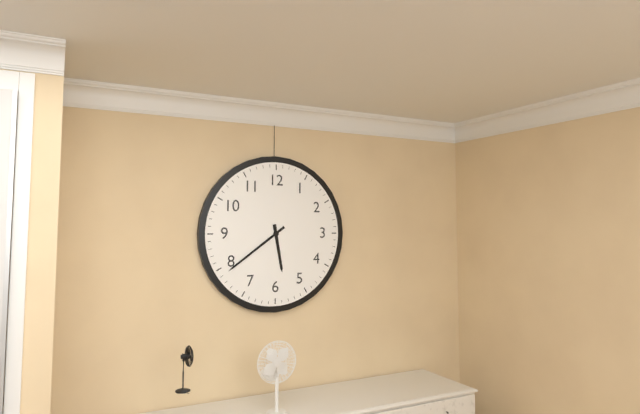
5:39
